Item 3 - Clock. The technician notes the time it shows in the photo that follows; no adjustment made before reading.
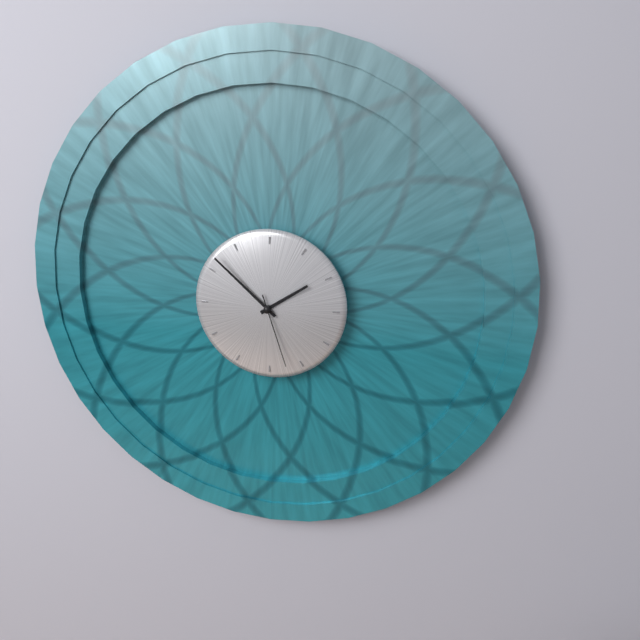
1:52:27
